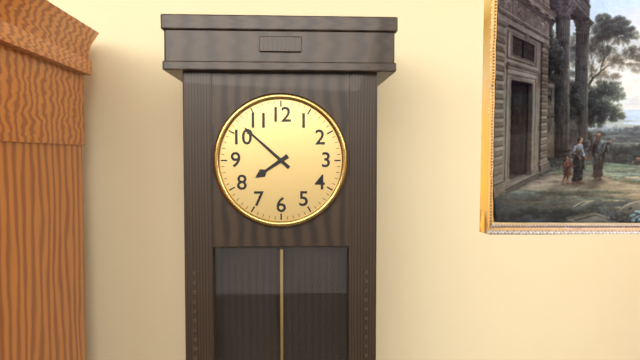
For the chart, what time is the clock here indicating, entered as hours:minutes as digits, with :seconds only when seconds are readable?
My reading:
7:52
